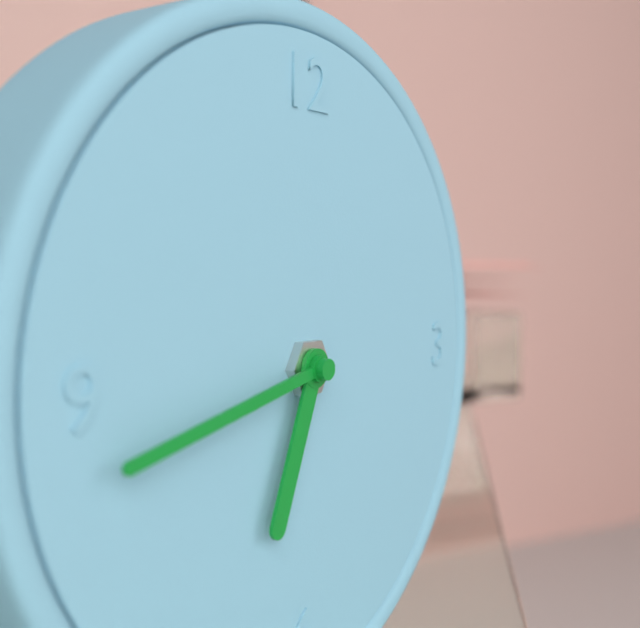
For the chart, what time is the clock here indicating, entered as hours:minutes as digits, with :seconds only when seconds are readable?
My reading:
6:43
